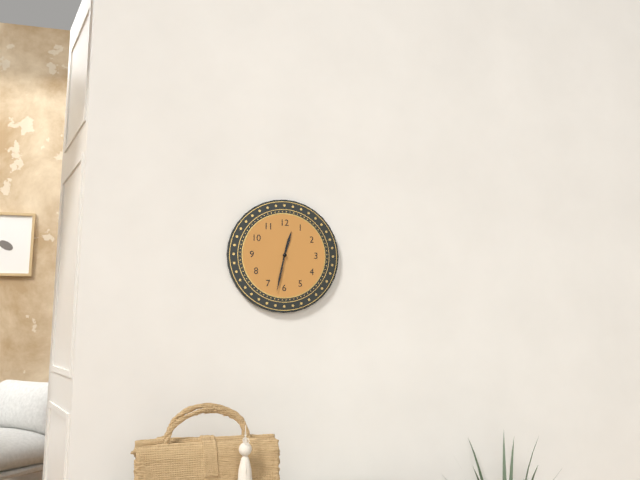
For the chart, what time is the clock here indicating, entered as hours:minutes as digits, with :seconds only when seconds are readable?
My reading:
12:32
